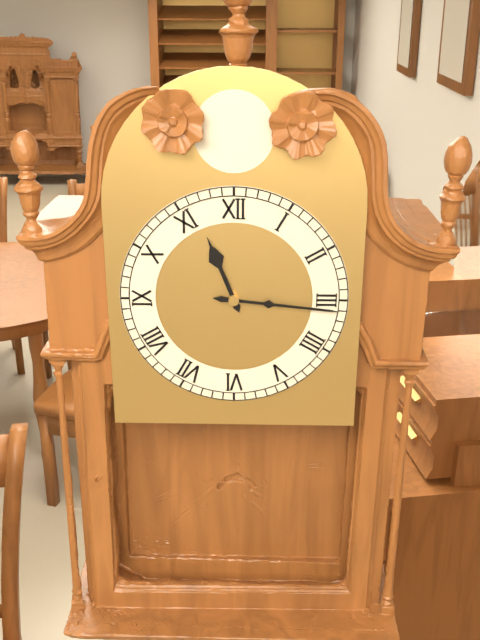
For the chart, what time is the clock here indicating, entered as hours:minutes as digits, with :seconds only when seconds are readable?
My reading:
11:16
